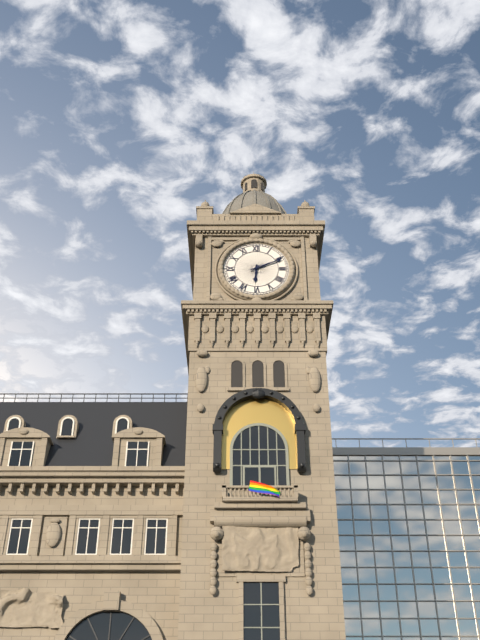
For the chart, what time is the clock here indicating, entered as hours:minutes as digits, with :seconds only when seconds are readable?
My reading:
6:11
